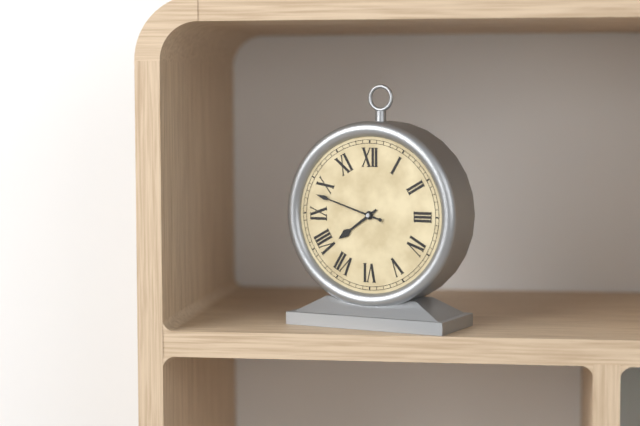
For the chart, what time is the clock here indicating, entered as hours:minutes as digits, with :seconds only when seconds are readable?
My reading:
7:48
